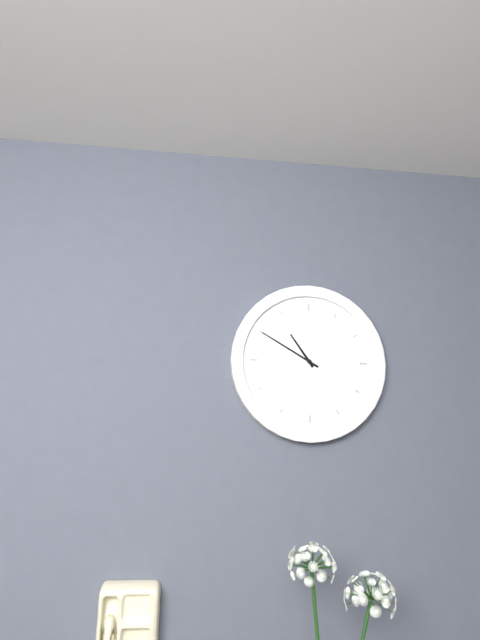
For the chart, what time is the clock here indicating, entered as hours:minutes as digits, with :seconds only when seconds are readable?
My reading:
10:50
